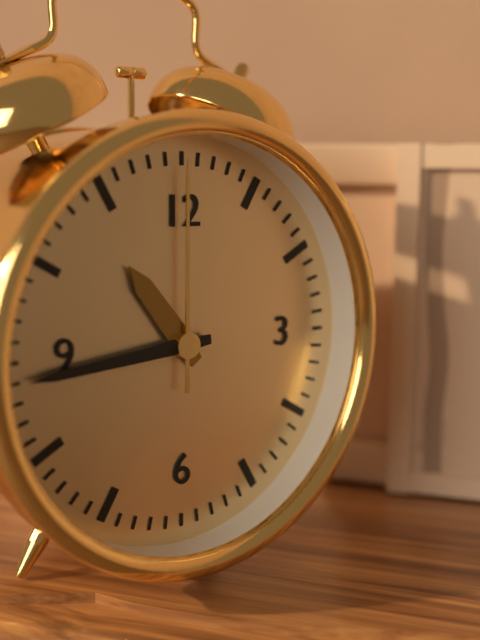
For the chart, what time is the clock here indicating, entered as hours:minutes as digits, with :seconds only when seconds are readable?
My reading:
10:44:00
